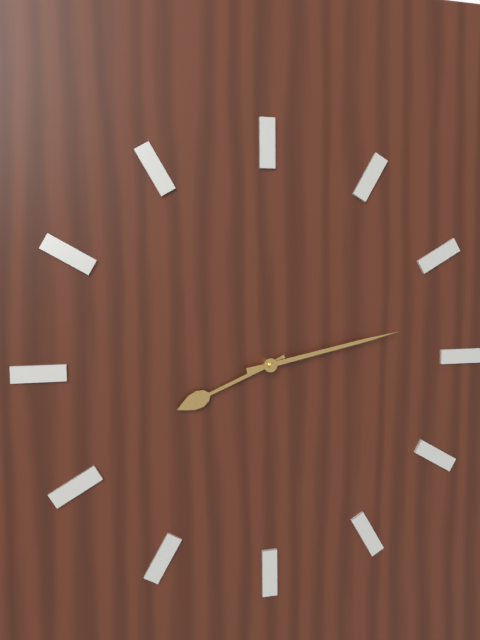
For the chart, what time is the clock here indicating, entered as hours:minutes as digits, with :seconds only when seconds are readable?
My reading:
8:13
